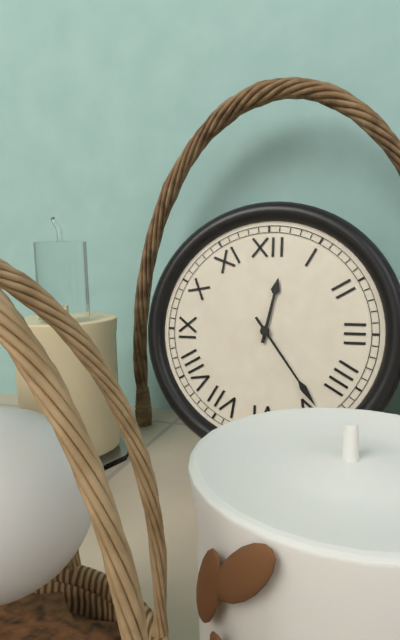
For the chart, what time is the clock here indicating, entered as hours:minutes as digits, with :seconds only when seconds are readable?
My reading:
12:24
